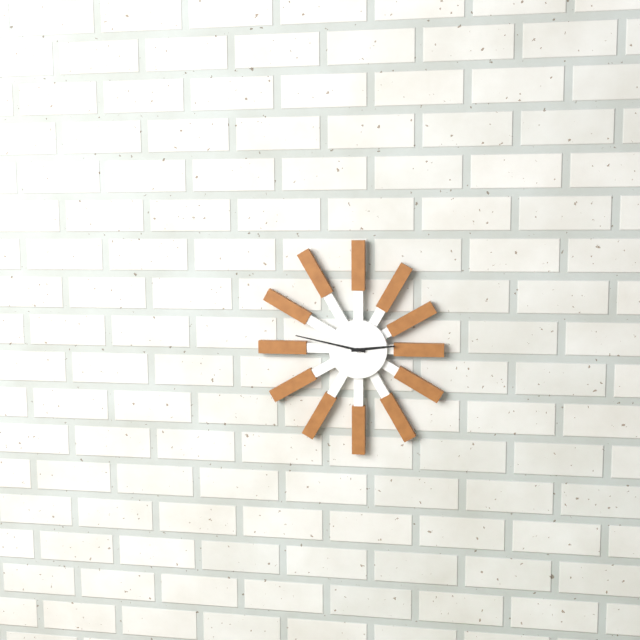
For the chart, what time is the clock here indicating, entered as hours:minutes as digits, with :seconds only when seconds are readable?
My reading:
2:47
